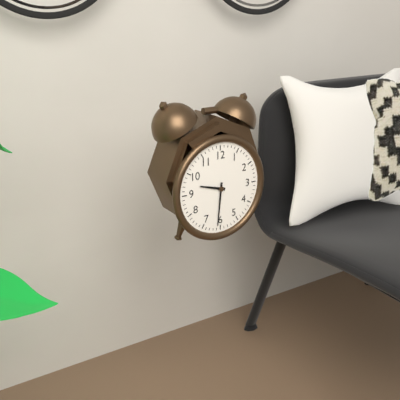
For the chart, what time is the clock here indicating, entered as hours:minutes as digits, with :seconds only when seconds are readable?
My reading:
9:31
